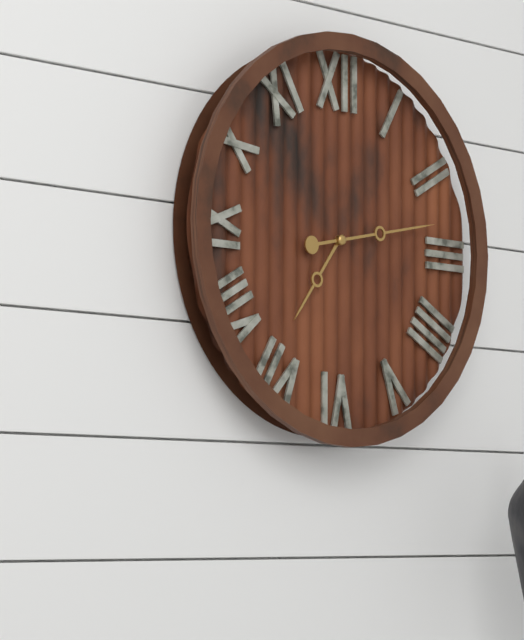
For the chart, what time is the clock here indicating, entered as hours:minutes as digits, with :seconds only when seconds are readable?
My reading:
7:13
